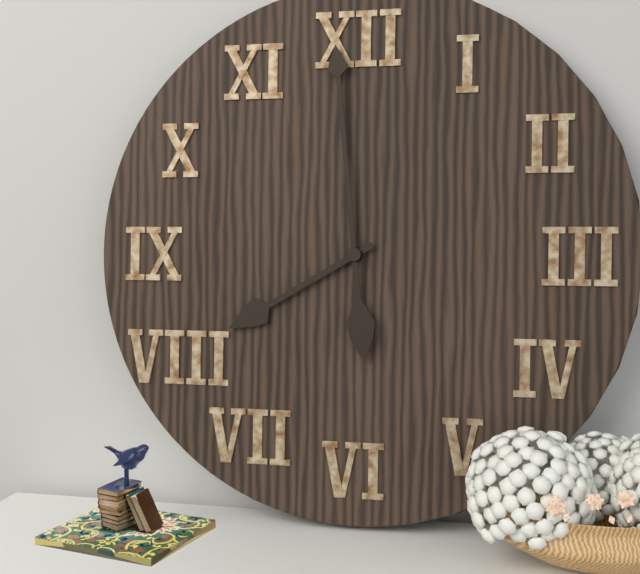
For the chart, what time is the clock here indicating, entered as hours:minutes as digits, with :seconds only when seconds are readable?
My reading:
7:59
